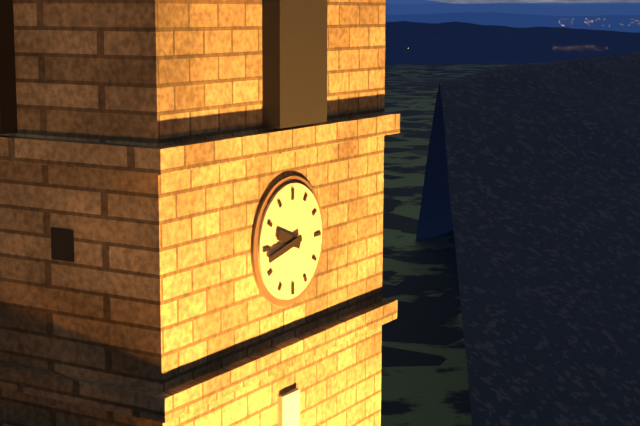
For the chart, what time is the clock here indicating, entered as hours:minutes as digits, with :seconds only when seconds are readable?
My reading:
9:43
